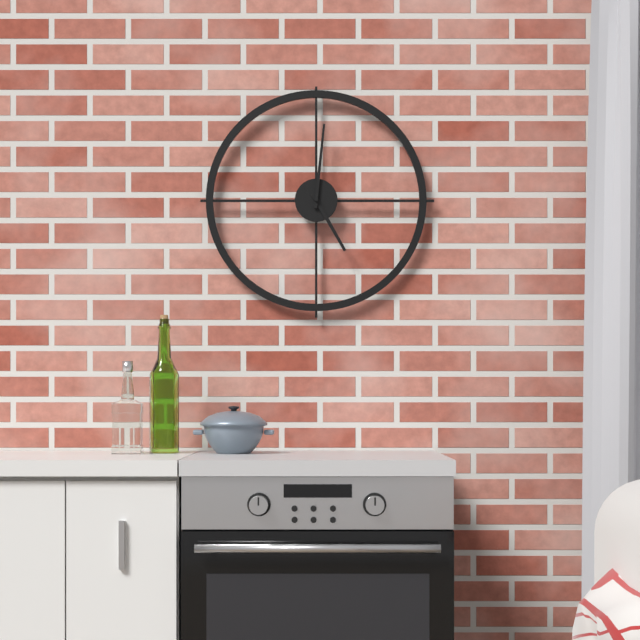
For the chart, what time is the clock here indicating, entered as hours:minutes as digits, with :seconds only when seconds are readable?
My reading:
5:01
